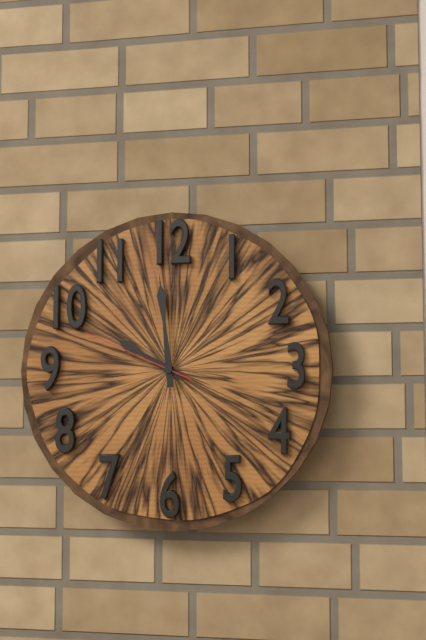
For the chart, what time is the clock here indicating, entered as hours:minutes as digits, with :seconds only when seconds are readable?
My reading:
9:59:49
